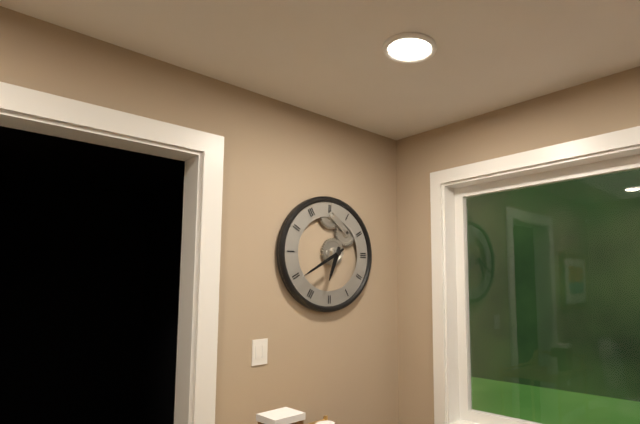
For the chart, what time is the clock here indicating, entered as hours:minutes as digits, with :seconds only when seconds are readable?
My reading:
6:40
